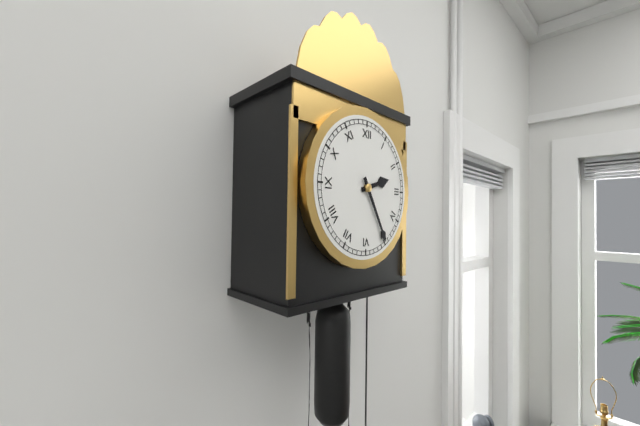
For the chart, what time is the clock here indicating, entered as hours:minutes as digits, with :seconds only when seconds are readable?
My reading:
2:25
